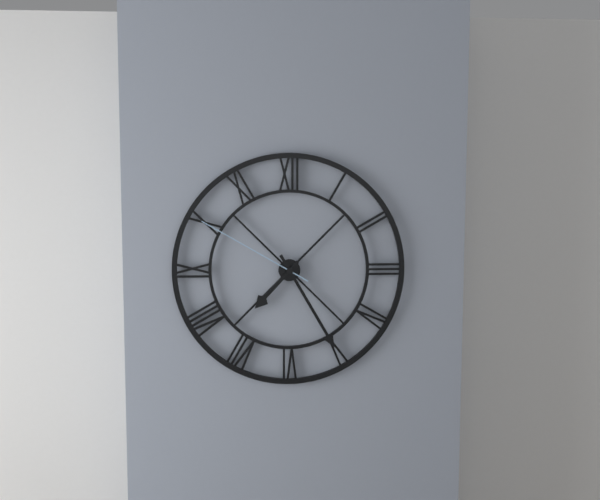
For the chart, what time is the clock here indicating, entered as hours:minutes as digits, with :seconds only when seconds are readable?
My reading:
7:25:50
